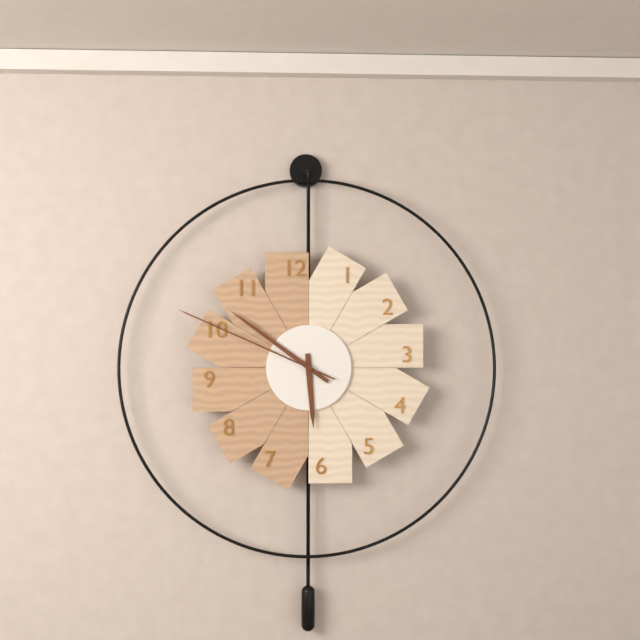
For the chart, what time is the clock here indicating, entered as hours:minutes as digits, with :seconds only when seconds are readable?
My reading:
5:51:49
